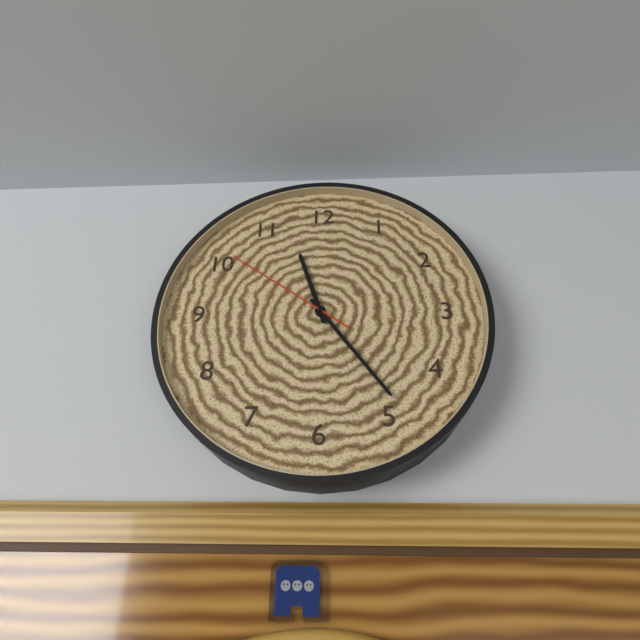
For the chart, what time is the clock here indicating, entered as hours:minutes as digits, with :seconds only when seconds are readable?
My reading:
11:24:51
